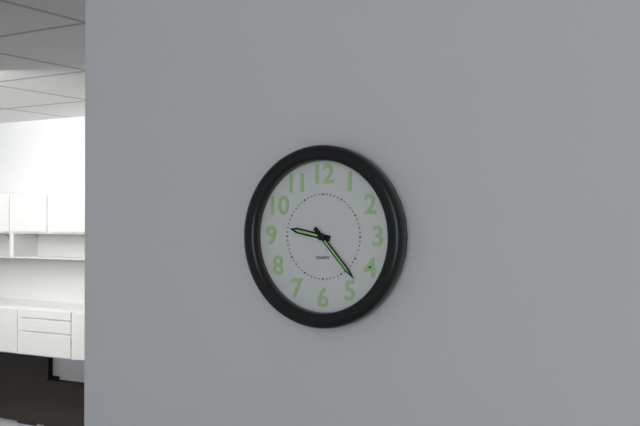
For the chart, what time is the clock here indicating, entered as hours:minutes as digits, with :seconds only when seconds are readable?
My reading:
9:23
